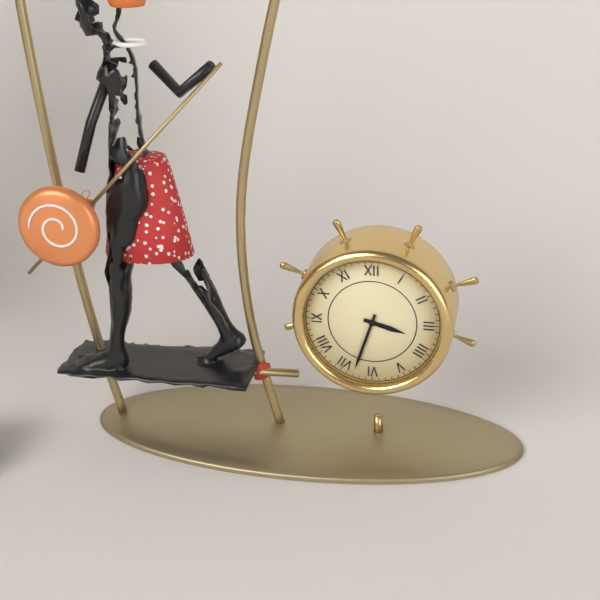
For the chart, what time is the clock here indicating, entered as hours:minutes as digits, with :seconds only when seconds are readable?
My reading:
3:33
